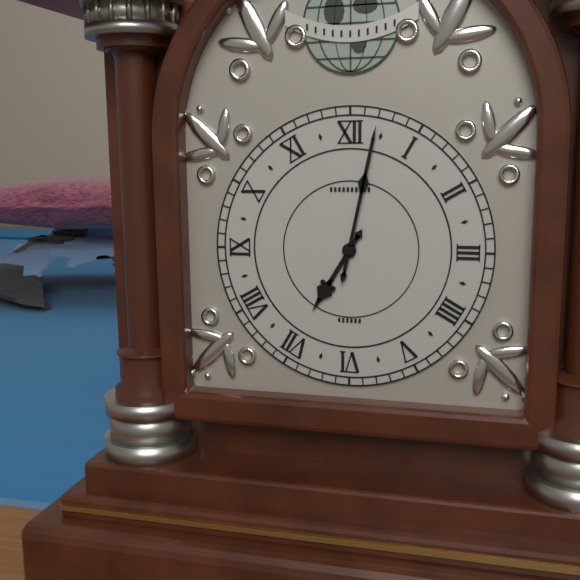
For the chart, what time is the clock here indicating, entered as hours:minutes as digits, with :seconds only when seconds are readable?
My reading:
7:02
